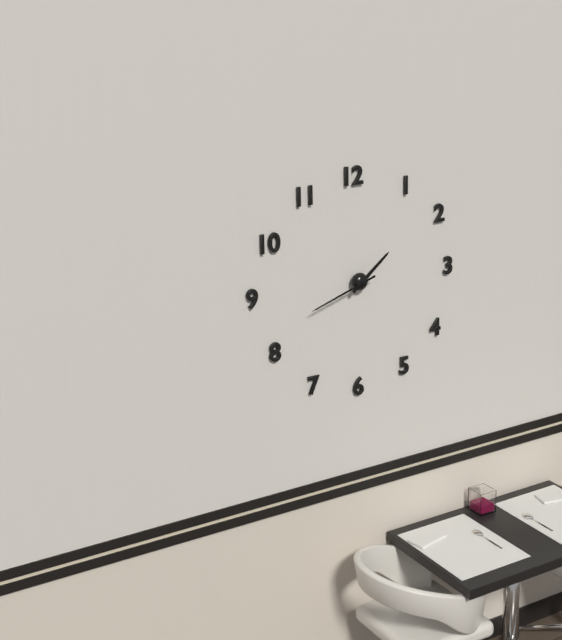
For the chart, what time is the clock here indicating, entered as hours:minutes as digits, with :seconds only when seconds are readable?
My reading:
1:42
